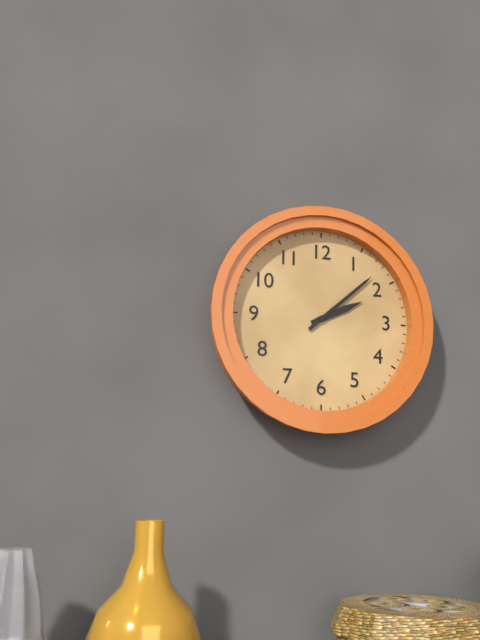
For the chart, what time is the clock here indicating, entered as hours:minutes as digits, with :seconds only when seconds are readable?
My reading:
2:08
